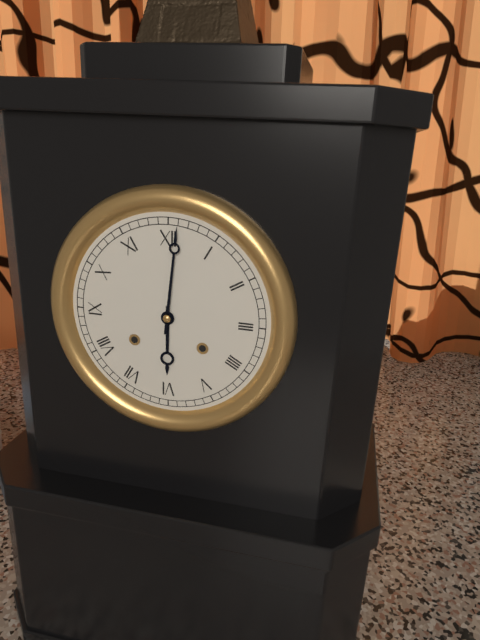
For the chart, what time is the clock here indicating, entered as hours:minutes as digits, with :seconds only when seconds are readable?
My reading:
6:01
